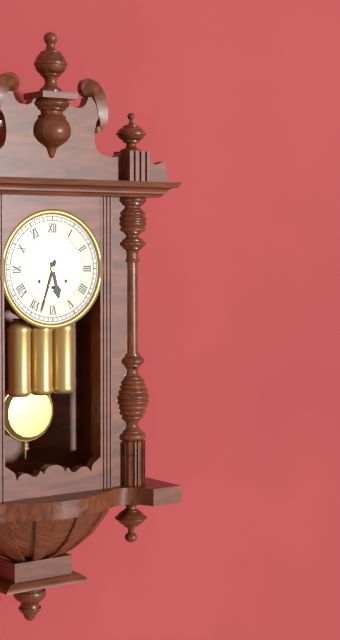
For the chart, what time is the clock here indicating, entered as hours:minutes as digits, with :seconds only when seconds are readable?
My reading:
5:33
